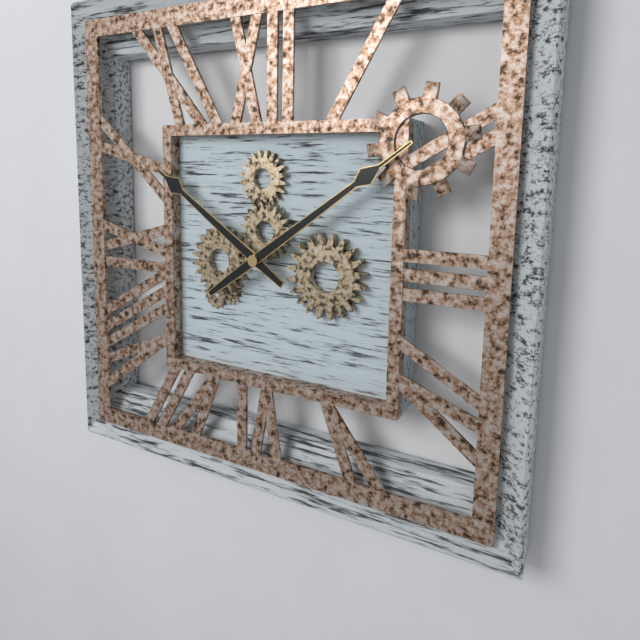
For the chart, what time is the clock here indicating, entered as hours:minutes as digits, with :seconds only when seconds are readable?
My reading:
10:09
